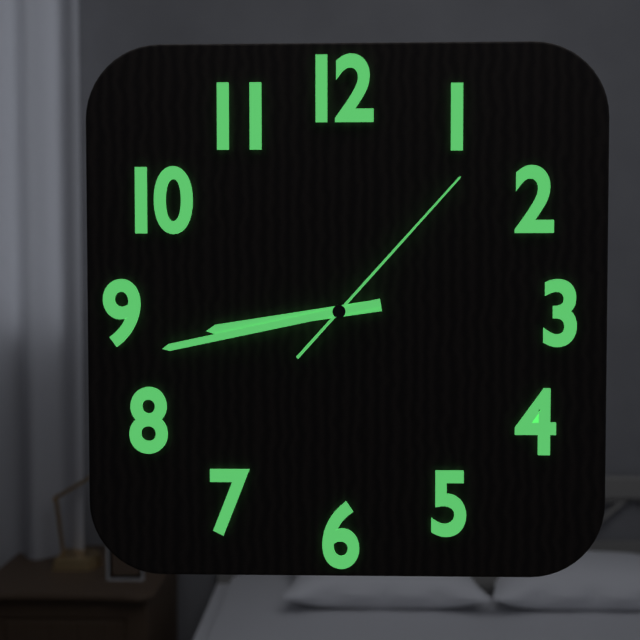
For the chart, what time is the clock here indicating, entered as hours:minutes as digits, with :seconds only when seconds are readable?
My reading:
8:43:07
